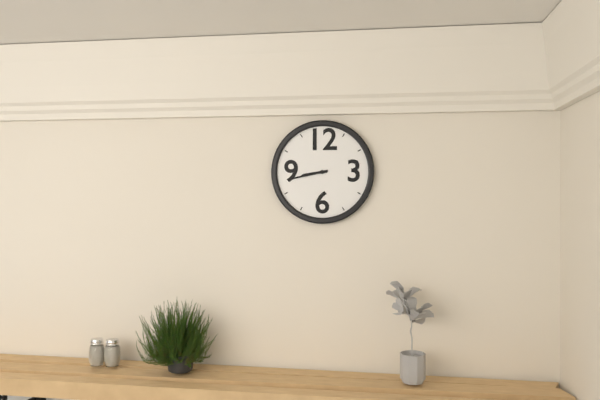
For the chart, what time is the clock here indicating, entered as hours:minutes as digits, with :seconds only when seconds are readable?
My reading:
8:43
